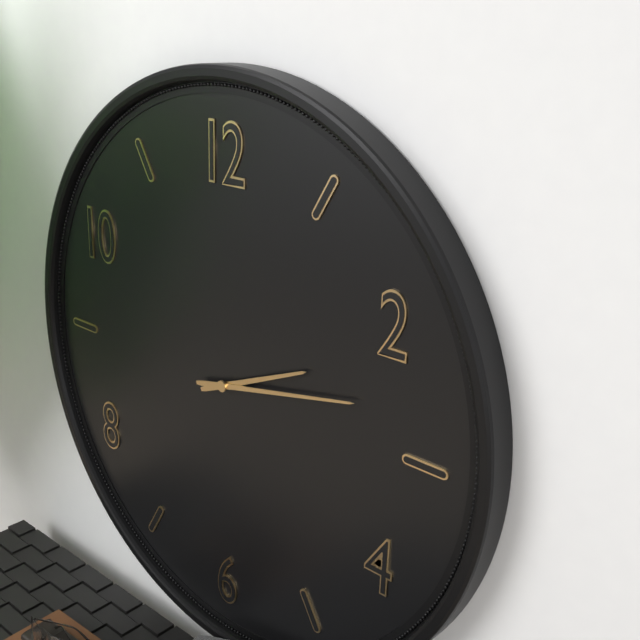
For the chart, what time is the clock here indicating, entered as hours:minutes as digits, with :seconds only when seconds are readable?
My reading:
2:13
